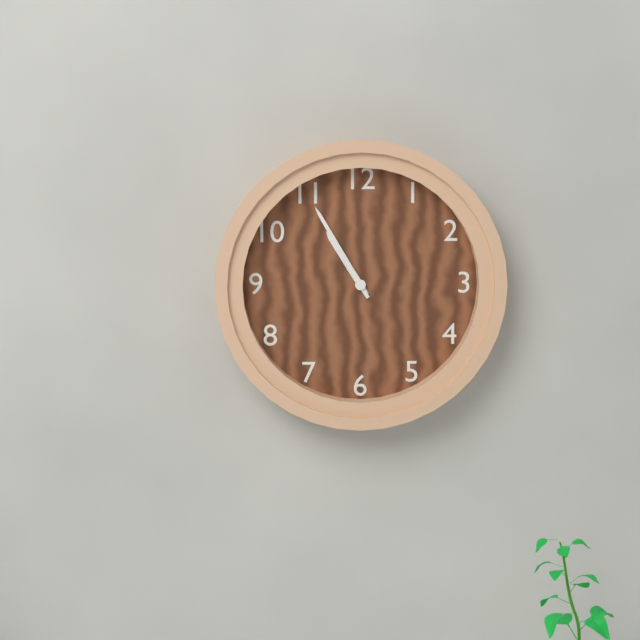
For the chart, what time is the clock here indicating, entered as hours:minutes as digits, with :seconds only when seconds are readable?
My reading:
10:55
